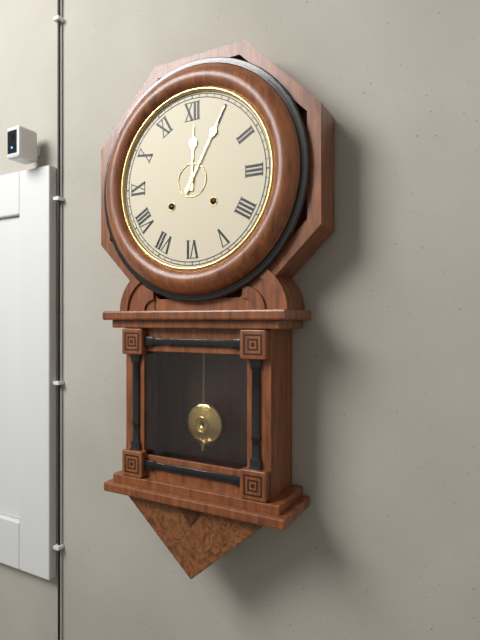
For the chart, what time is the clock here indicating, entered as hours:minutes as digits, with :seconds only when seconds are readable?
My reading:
12:05
